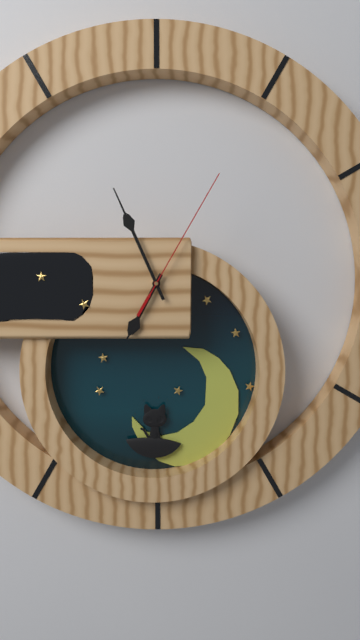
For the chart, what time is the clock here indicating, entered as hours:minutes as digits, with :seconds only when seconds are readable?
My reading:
6:56:05
